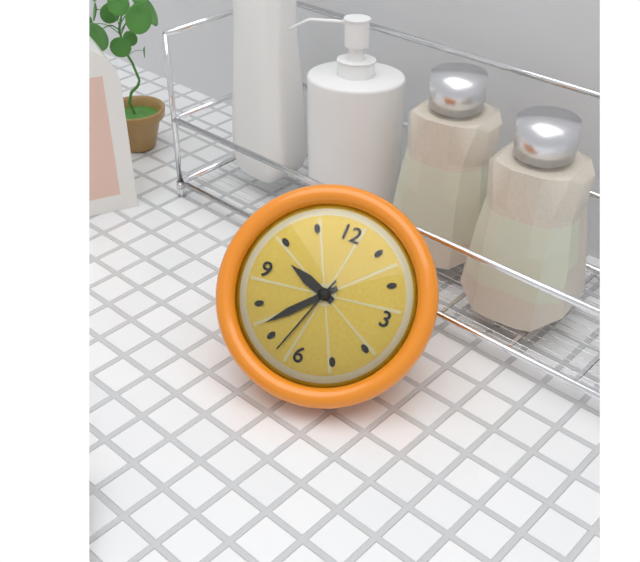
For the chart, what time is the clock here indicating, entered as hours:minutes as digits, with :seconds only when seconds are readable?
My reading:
9:37:33
